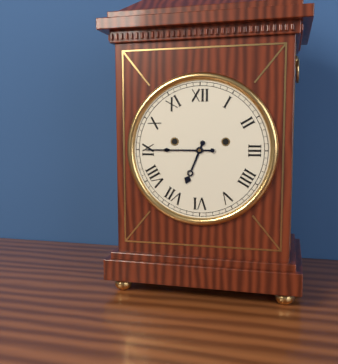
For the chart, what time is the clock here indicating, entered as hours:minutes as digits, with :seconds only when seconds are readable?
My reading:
6:45
